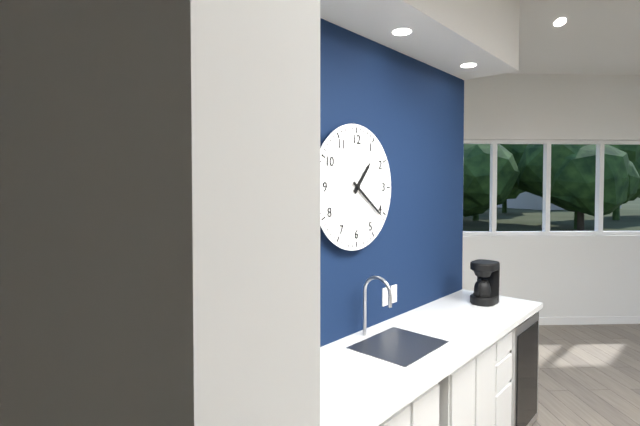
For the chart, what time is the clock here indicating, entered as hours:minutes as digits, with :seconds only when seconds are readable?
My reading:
1:21
